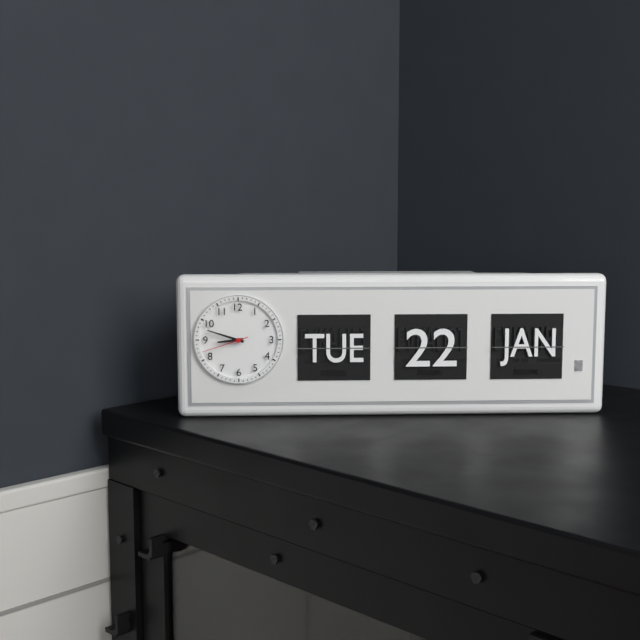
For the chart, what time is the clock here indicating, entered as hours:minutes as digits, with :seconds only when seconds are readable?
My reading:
8:48
